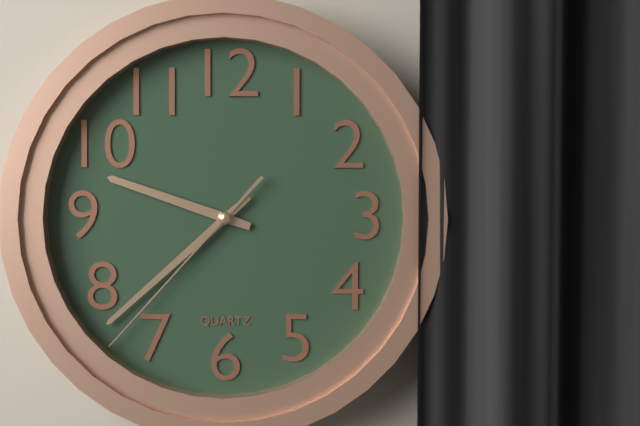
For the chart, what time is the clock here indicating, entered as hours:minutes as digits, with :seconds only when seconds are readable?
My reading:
9:38:37
